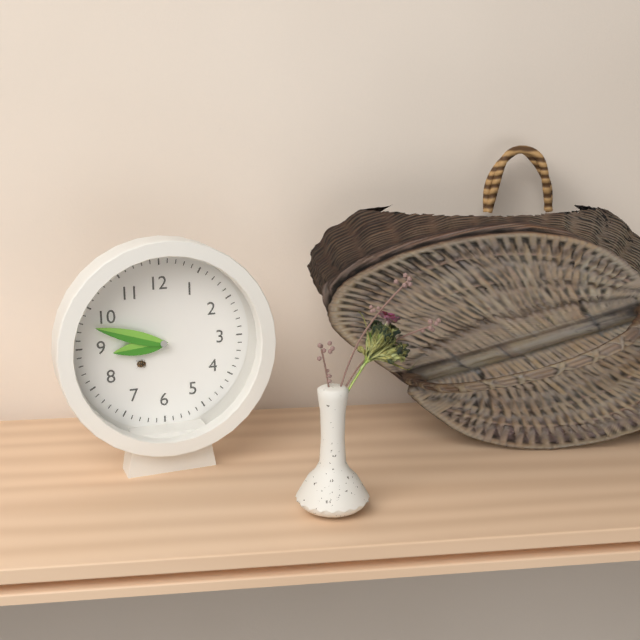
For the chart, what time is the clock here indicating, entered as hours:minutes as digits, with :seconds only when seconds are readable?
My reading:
8:48
